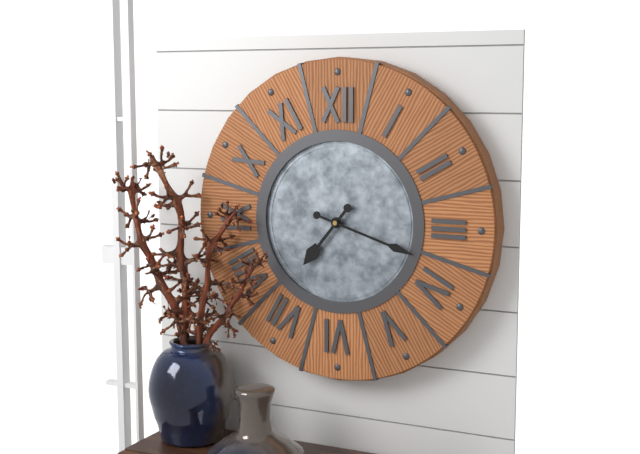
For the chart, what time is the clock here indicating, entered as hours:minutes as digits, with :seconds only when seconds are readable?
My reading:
7:18
